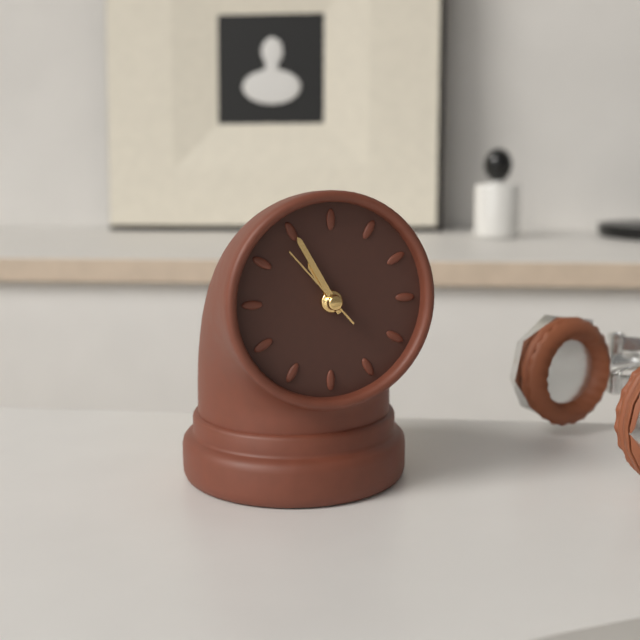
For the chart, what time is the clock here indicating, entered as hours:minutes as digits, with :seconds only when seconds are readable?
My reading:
10:55:53
